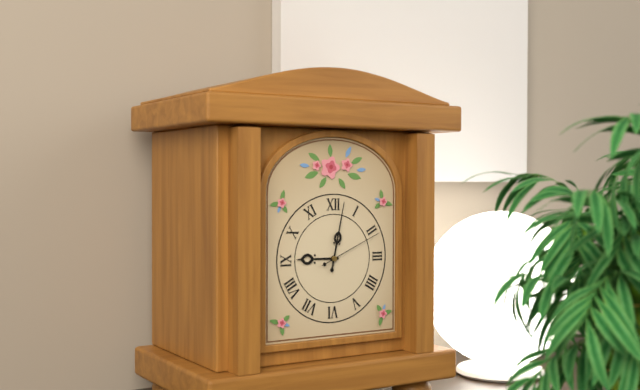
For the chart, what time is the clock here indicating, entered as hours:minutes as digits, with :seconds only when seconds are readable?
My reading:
9:02:11
